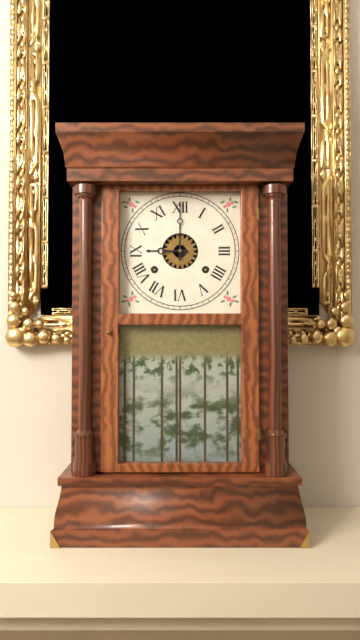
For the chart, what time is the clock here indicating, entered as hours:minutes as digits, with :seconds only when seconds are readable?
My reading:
9:00
